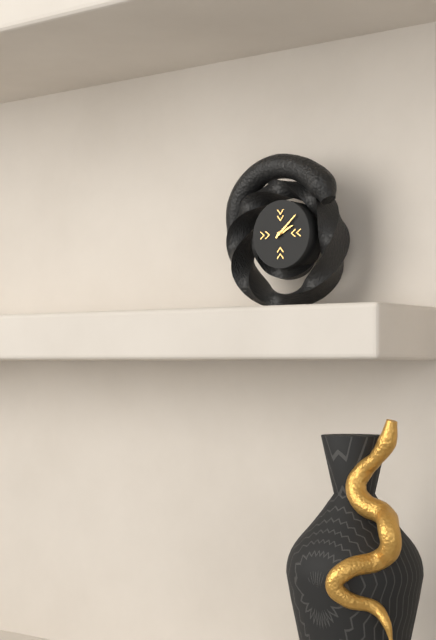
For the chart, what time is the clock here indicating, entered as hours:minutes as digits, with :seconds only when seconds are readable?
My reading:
2:08
